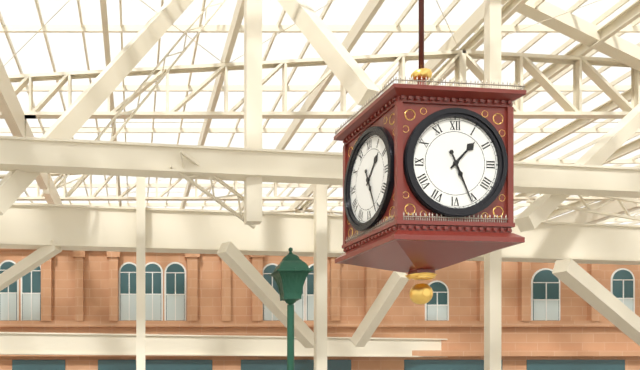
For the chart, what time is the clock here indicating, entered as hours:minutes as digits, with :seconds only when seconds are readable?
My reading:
1:26
